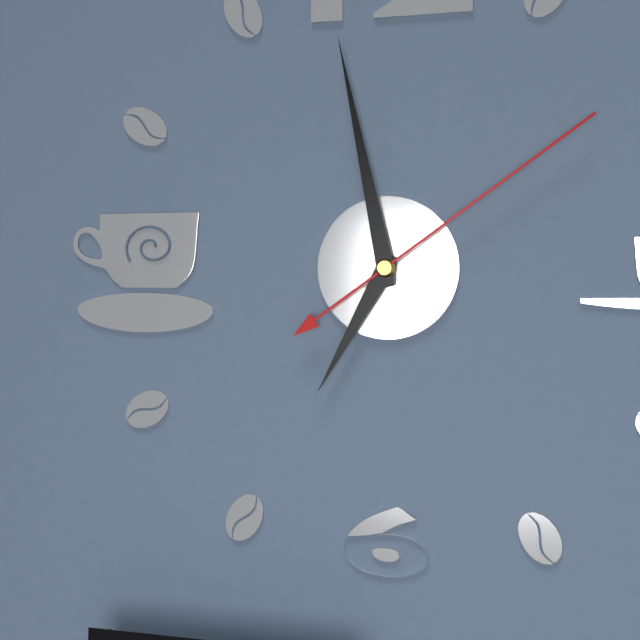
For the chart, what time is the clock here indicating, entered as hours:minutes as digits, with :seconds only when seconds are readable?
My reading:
6:58:09
